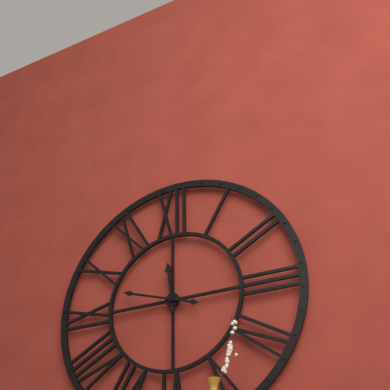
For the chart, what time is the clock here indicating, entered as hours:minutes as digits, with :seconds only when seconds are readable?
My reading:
11:48
